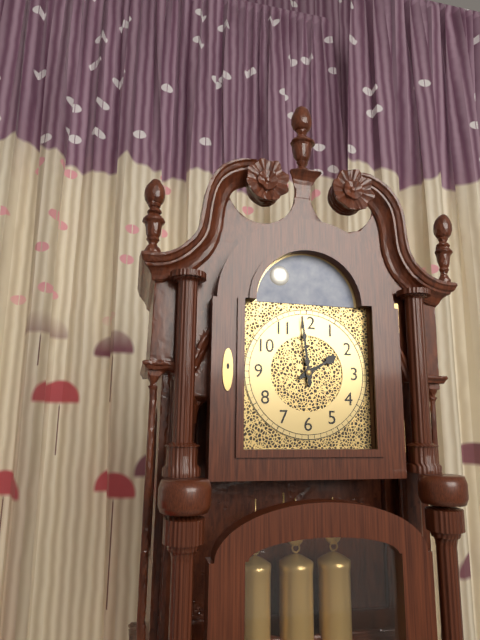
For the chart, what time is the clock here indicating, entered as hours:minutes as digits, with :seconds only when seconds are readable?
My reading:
1:59
